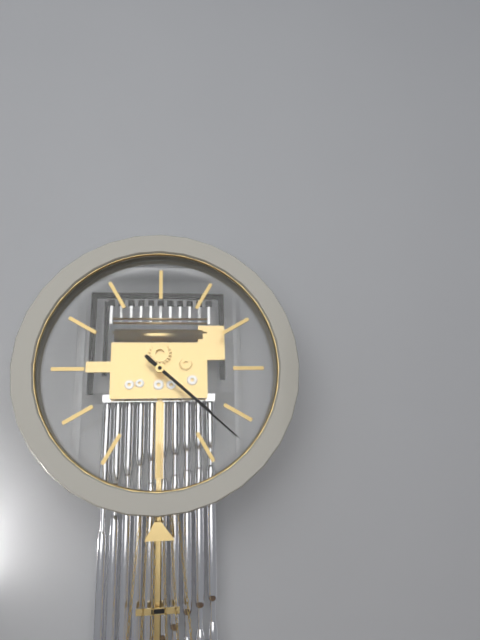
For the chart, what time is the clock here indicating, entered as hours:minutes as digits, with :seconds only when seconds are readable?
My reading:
4:22
